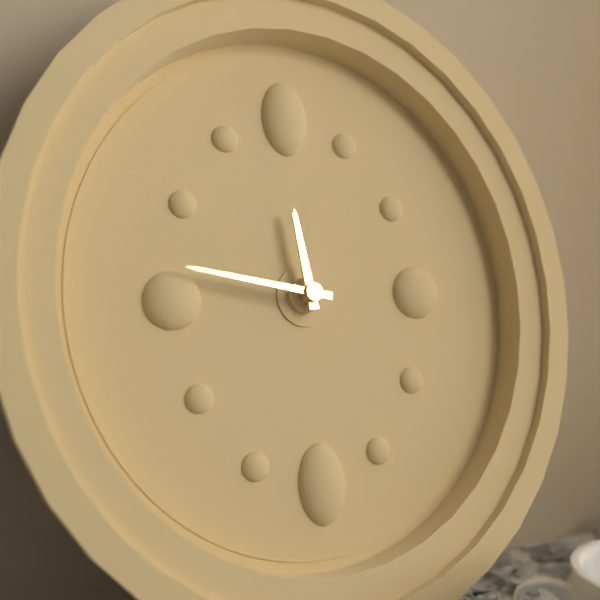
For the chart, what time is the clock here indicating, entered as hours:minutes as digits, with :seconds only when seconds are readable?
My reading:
11:47
